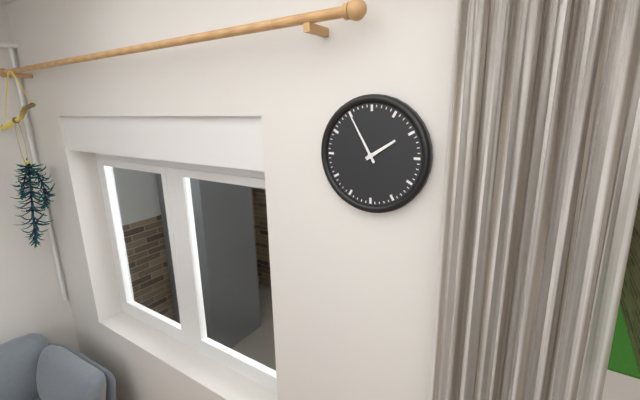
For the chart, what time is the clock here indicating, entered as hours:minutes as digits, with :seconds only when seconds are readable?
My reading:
1:55
